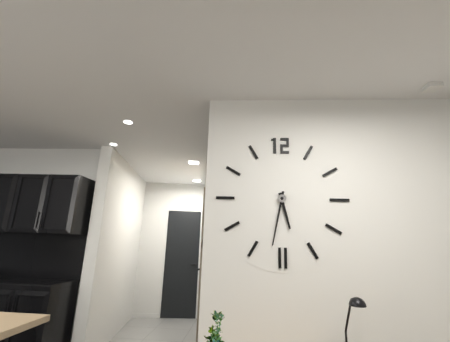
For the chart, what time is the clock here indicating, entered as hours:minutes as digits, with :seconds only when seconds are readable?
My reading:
5:32
